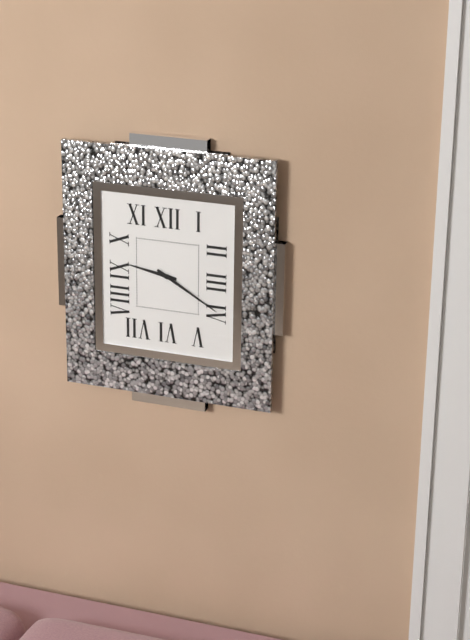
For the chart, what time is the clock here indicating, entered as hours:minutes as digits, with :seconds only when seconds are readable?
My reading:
9:20
